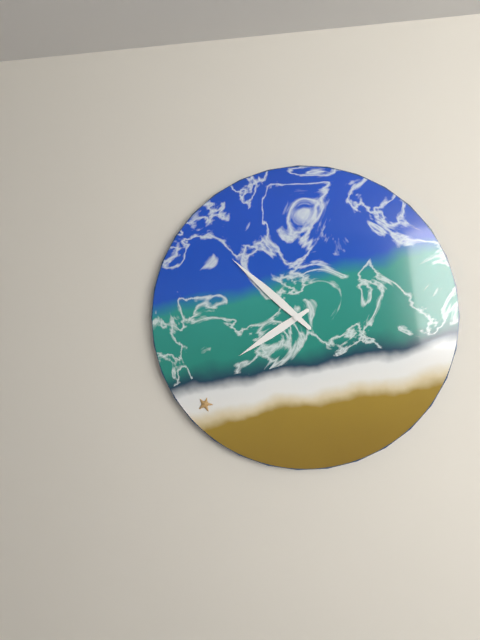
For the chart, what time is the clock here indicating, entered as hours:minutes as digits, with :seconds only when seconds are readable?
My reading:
7:52
